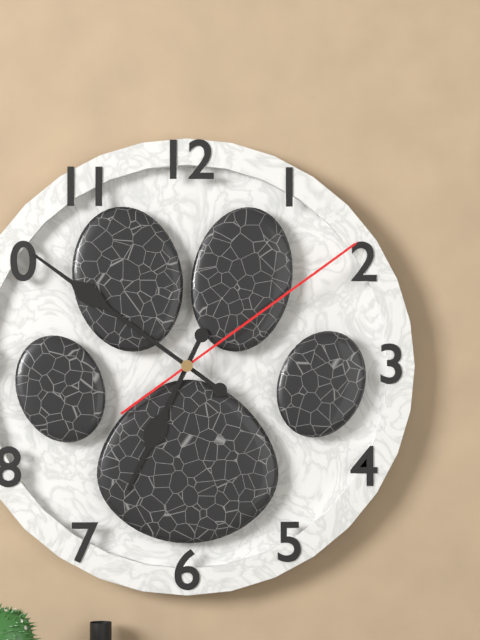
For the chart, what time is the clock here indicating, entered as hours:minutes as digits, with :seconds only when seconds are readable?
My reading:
6:51:09
